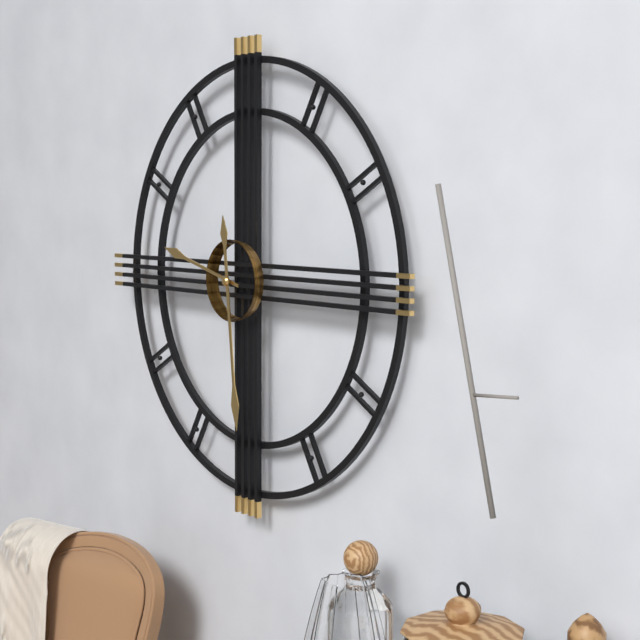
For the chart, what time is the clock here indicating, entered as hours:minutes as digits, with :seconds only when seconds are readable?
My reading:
9:29
